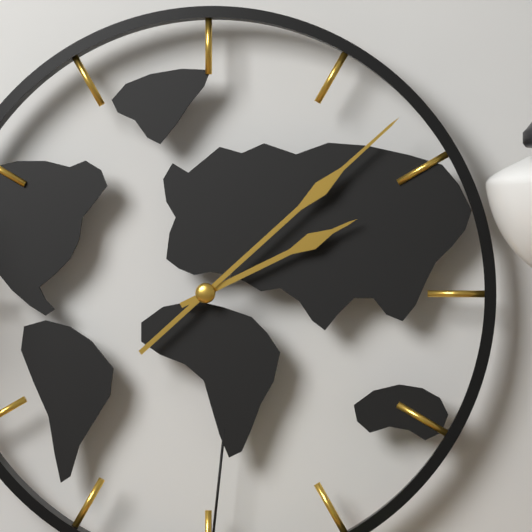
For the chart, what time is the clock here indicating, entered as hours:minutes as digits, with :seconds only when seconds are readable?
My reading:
2:08
